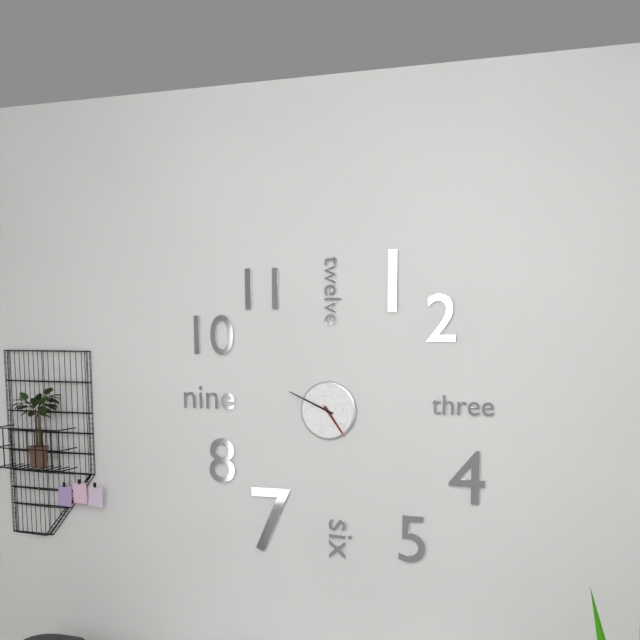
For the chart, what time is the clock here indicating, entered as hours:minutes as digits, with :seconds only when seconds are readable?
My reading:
4:49
